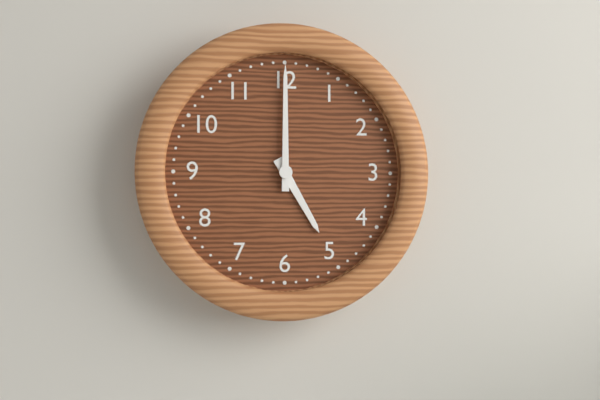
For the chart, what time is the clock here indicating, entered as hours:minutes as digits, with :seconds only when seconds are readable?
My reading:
5:00
